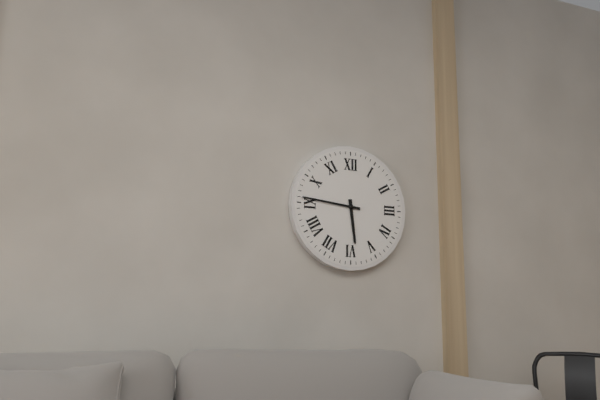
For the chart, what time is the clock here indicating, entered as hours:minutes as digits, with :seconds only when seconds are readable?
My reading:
5:46
